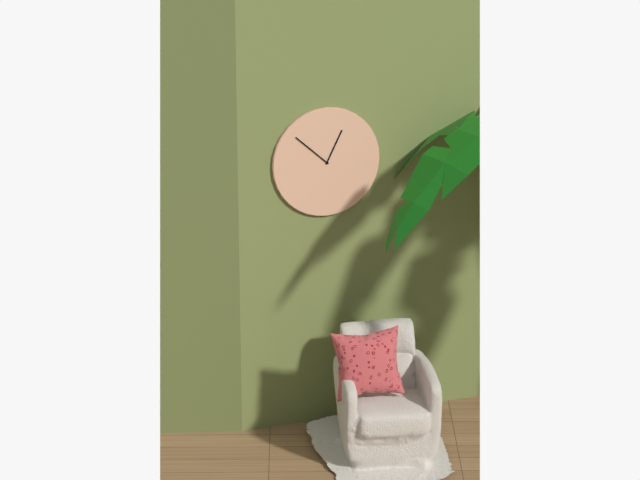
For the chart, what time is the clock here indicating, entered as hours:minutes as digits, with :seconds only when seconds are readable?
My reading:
12:52
